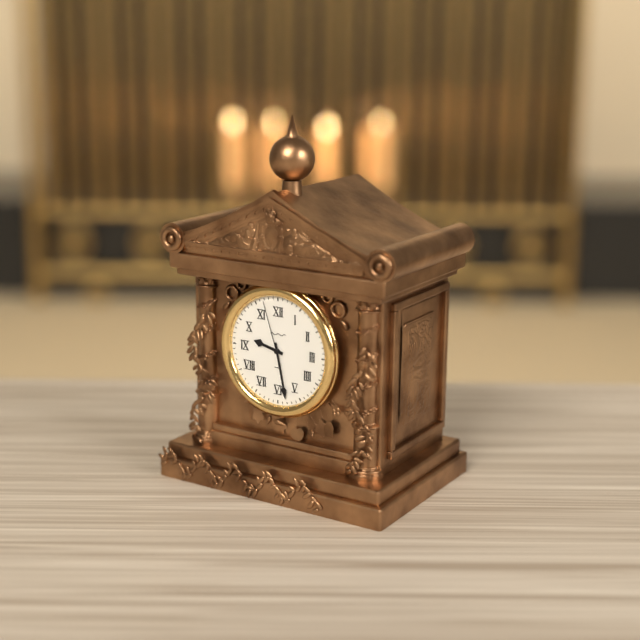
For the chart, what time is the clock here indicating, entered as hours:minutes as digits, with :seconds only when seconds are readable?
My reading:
9:28:57
